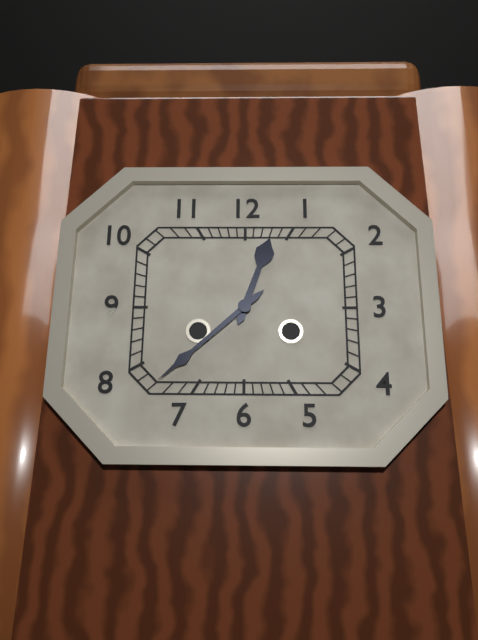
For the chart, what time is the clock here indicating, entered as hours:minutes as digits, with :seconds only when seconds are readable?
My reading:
12:38
